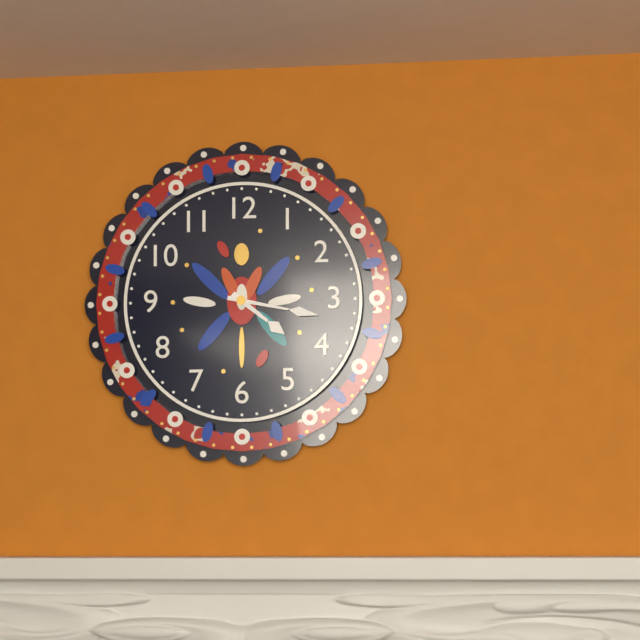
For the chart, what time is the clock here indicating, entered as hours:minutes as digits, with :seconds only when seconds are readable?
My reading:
4:17
